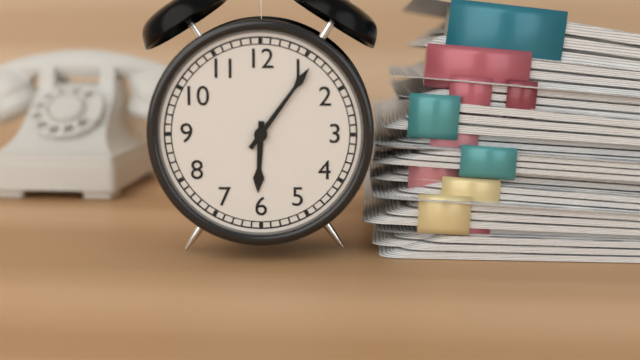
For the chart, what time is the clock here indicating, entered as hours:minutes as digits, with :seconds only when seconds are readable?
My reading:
6:06
